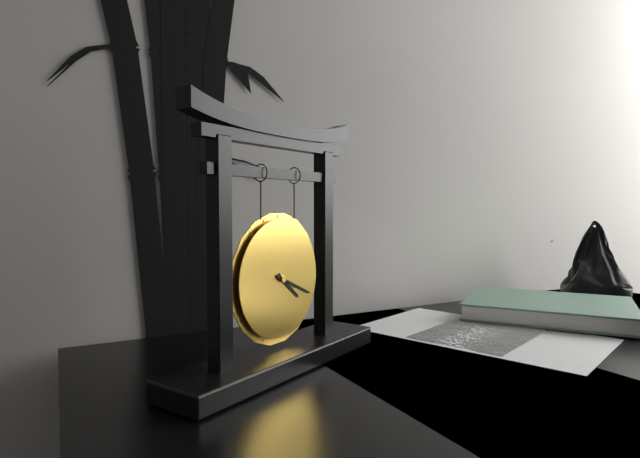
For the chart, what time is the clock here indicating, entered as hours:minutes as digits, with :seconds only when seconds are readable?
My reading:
4:19
